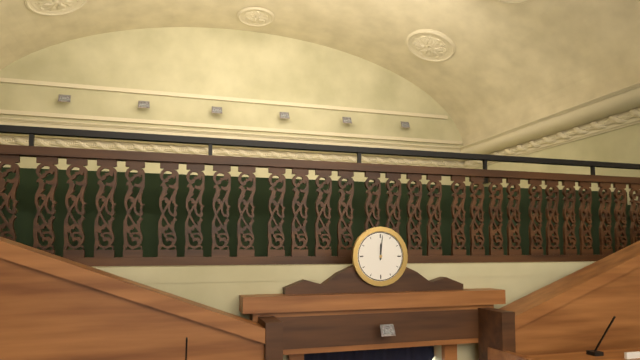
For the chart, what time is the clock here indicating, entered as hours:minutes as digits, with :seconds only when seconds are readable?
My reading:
12:01
